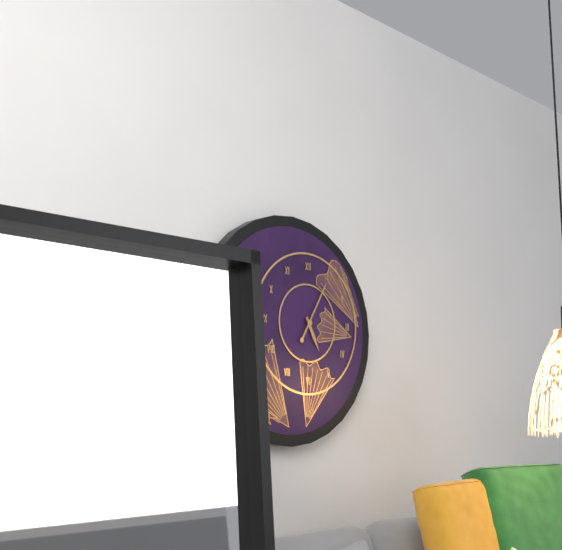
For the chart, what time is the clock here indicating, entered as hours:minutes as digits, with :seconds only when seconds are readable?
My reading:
5:05
